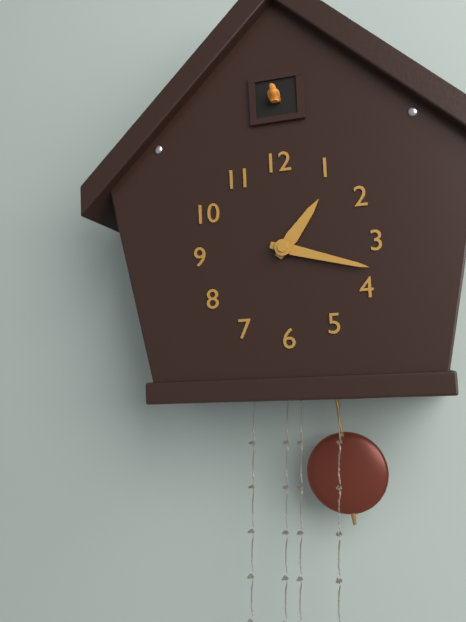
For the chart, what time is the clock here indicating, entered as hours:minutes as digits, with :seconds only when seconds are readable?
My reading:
1:18
